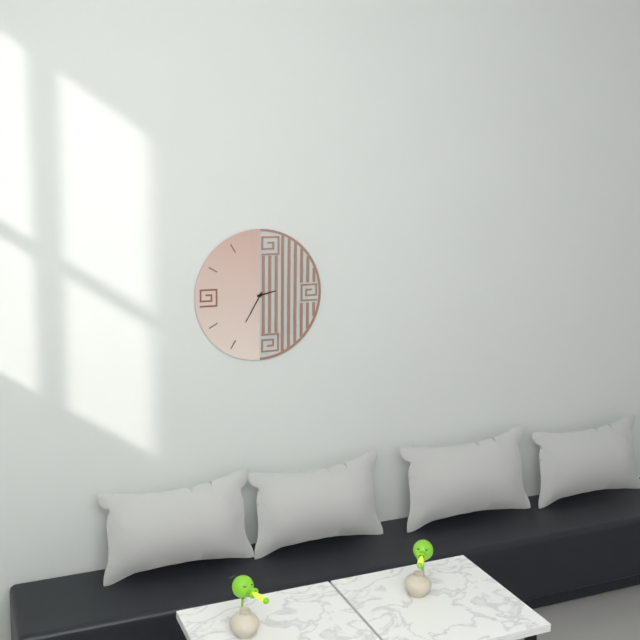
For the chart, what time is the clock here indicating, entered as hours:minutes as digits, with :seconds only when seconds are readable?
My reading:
2:35
